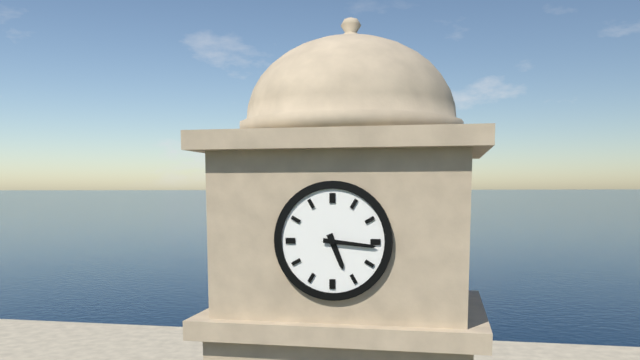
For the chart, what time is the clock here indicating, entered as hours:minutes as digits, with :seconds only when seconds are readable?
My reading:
5:16
